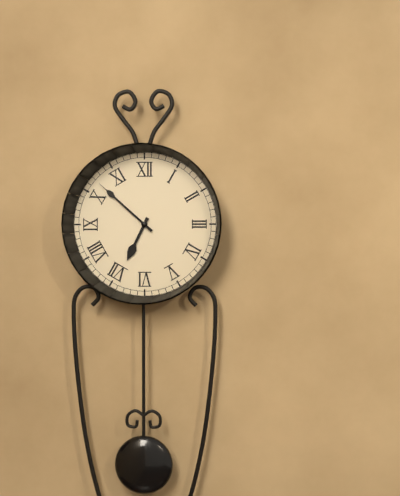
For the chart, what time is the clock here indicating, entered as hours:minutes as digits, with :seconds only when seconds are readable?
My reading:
6:52
